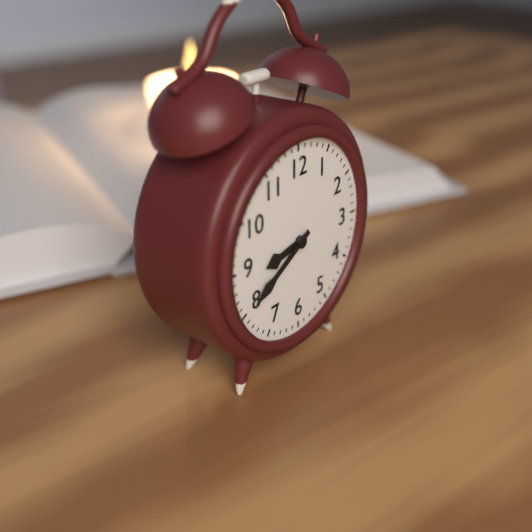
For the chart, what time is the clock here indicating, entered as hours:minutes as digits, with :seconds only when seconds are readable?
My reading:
8:40
